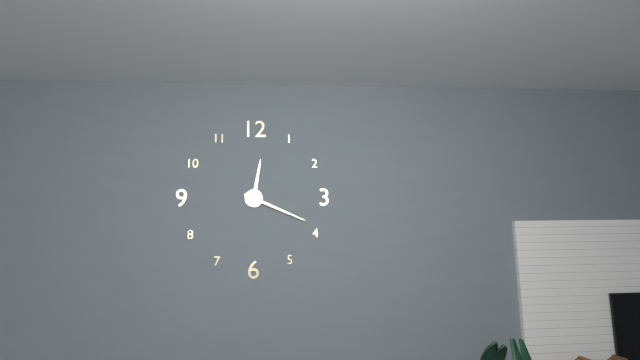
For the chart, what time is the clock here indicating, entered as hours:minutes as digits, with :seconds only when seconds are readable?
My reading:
12:19
